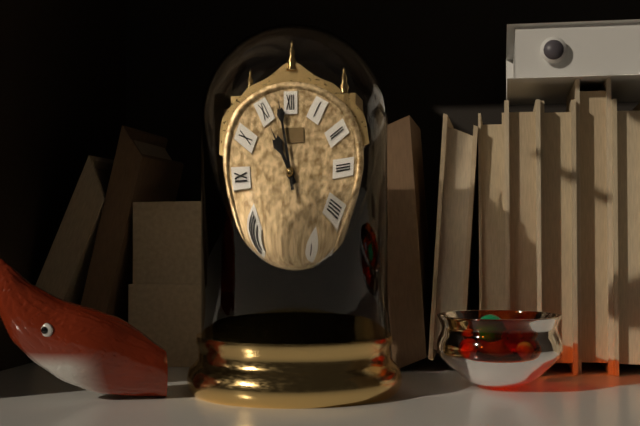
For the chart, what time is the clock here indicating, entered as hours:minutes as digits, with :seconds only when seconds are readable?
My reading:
10:58
